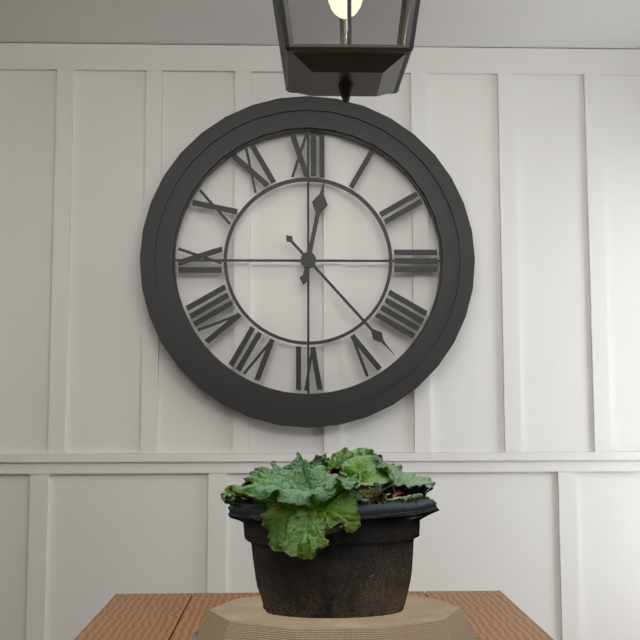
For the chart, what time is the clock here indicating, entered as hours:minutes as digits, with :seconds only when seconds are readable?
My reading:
12:23
